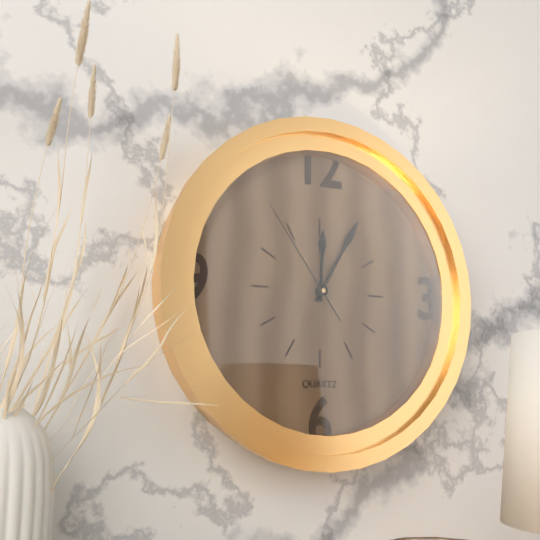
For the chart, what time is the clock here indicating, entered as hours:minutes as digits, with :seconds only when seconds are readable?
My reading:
12:05:54
